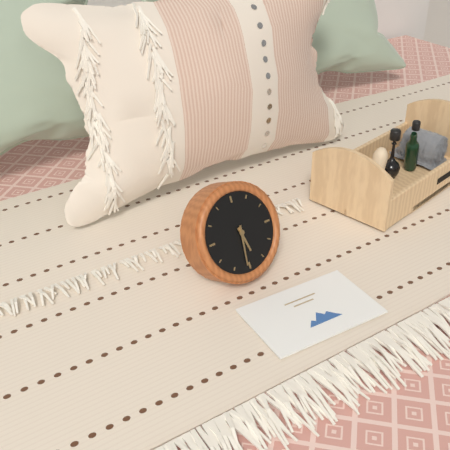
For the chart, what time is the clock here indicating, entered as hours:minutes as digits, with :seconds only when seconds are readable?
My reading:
5:31
